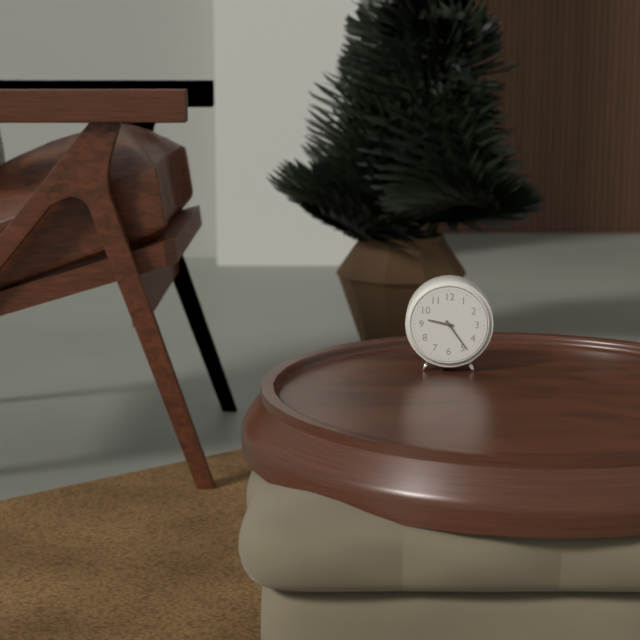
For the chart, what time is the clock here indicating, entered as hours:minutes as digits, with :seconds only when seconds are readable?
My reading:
9:24
